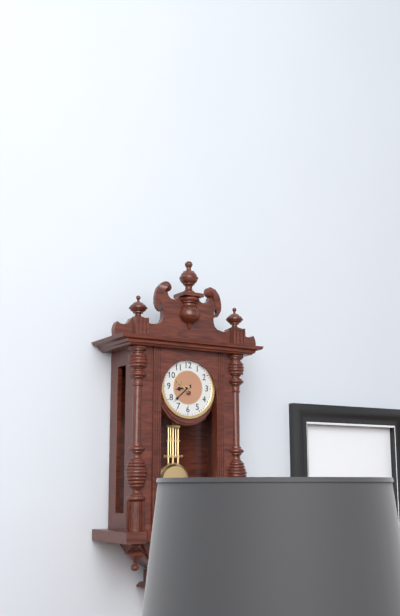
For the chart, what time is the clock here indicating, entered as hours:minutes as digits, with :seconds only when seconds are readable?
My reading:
8:38
